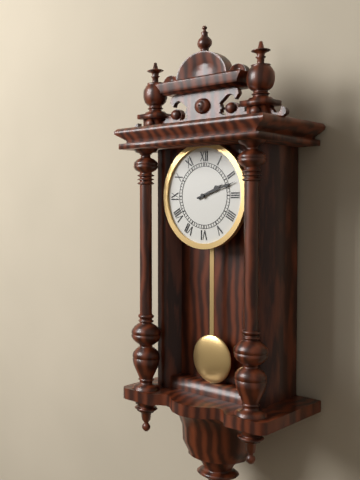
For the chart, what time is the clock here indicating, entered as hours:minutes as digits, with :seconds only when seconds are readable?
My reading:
2:12
